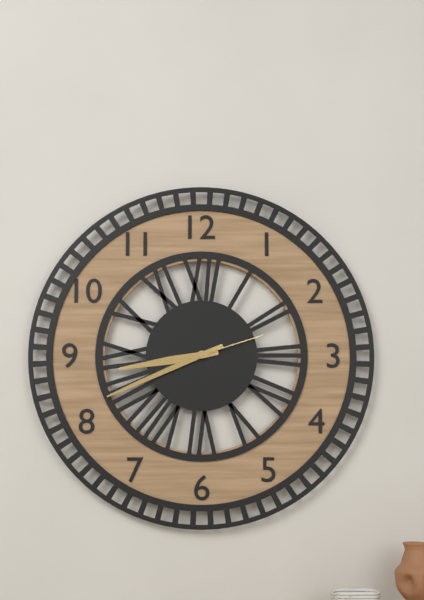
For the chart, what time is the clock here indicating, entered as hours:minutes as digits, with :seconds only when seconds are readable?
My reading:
8:41:12
